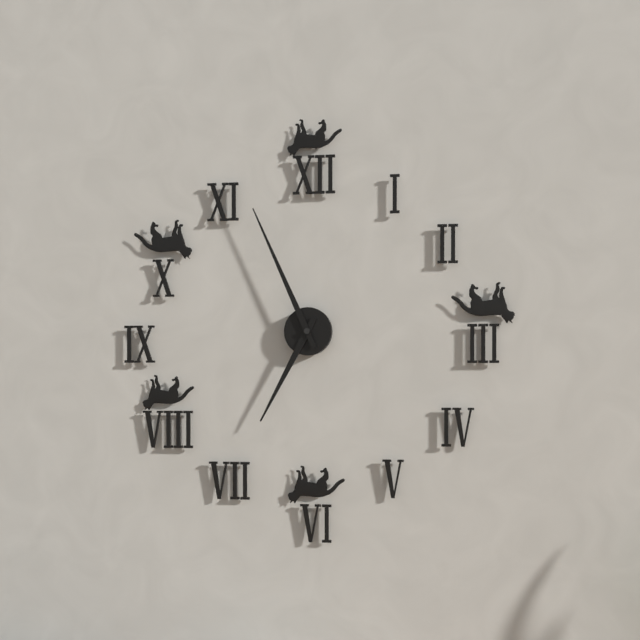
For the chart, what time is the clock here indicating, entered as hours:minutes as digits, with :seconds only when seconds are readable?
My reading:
6:56
